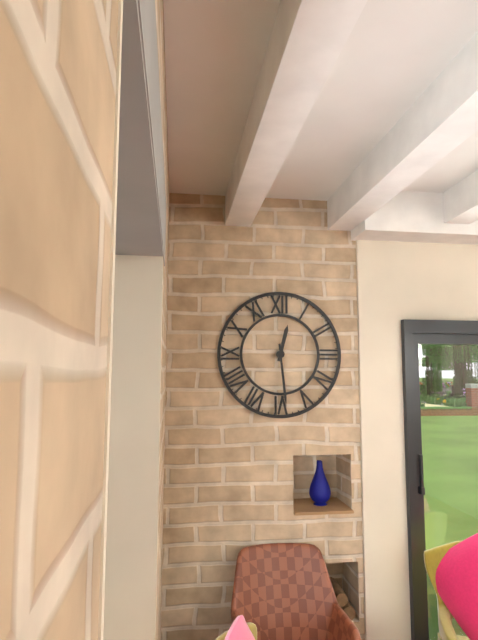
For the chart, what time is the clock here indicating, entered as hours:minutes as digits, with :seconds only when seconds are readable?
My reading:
12:29
